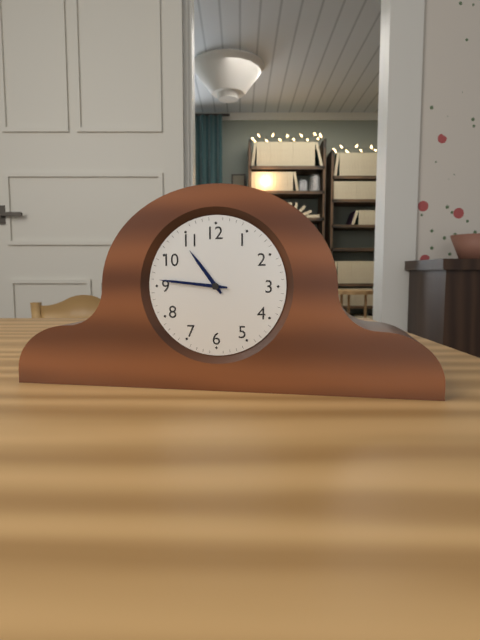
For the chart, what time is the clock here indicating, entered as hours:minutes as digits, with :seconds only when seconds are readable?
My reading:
10:46
